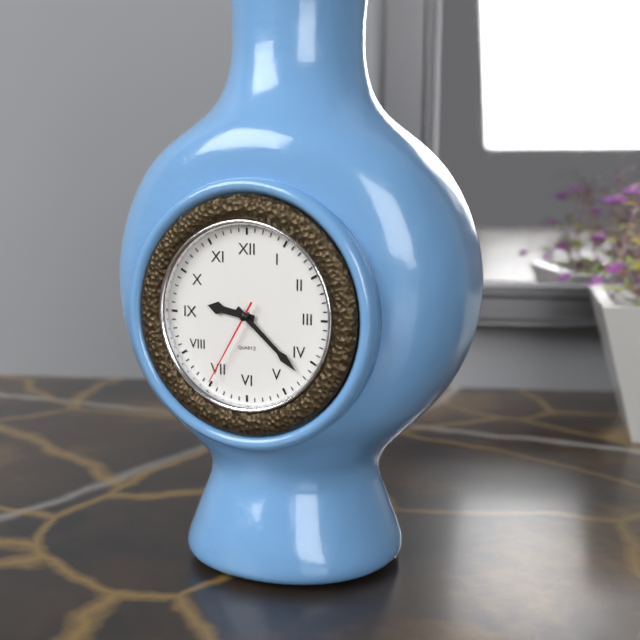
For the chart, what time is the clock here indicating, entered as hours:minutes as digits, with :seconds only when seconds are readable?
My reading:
9:22:35
